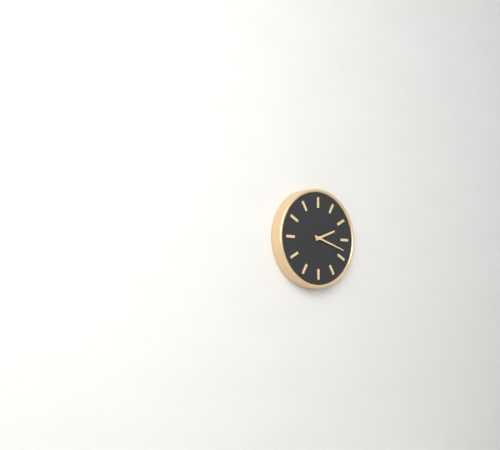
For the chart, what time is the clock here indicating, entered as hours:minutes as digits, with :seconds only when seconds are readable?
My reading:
2:18
